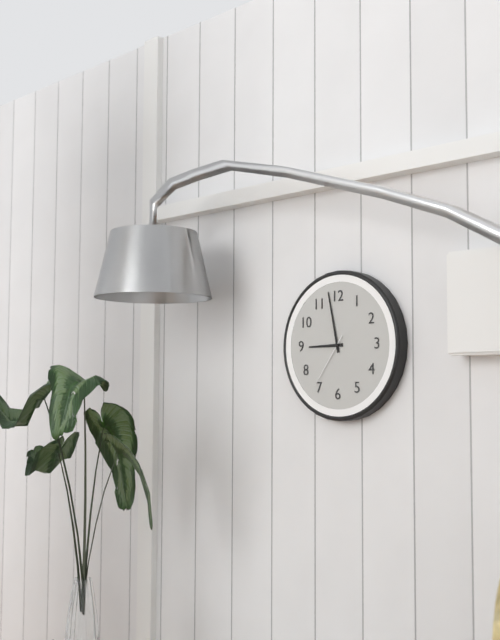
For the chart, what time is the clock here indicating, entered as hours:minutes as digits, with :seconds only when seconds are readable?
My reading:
8:58:36
